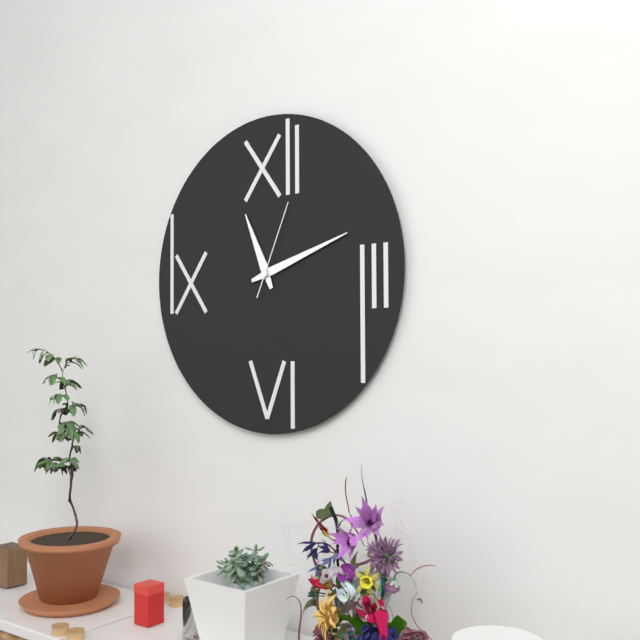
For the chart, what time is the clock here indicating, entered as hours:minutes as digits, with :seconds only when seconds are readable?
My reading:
11:12:04
